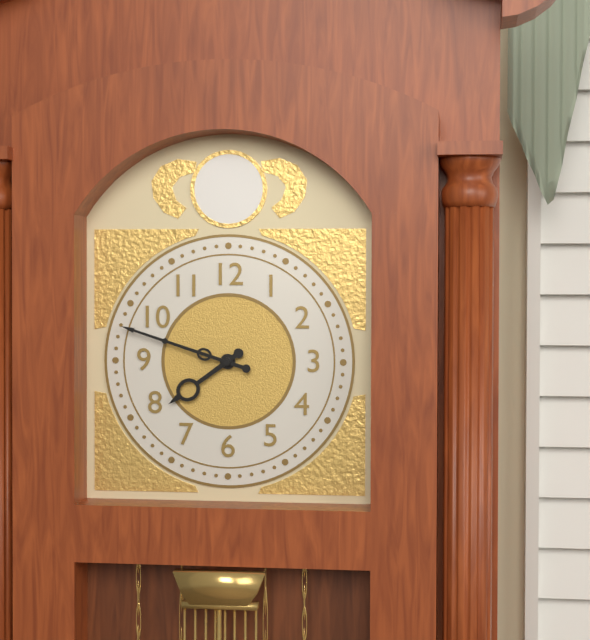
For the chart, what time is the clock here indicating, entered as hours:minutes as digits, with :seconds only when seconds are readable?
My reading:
7:48
